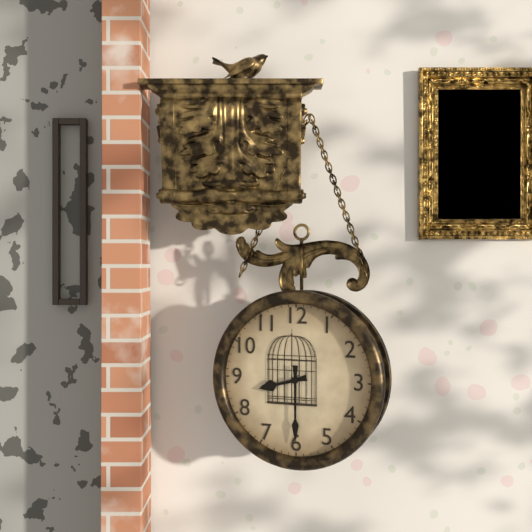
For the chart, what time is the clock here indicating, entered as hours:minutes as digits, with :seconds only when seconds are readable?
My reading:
8:30
